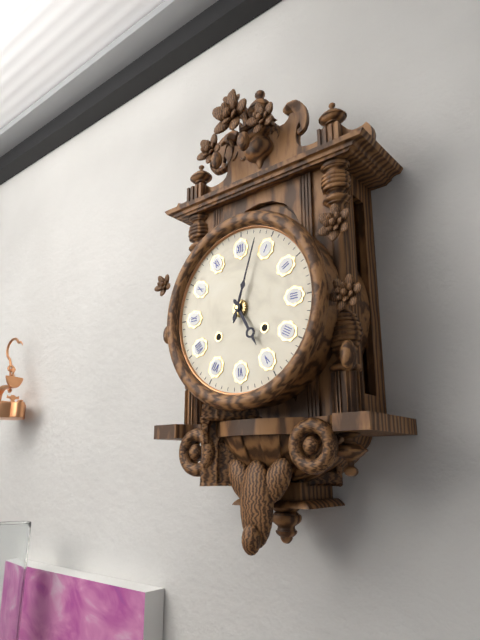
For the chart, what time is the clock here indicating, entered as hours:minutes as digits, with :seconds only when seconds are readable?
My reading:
5:03
